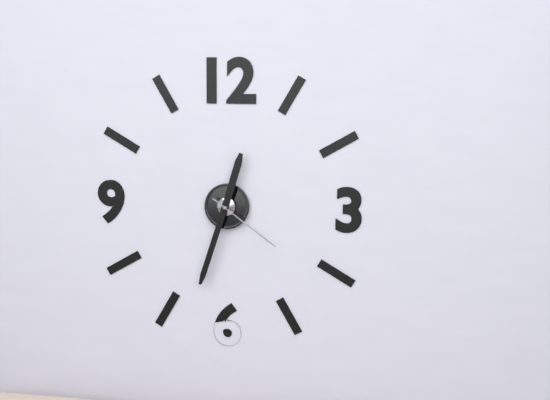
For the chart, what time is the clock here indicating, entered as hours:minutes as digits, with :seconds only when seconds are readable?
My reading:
12:33:21
